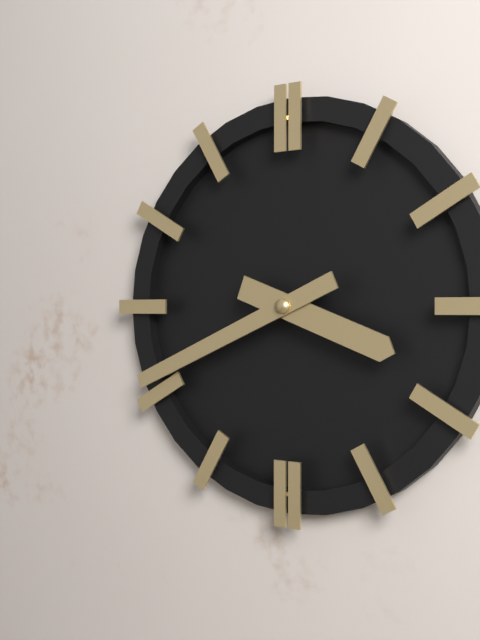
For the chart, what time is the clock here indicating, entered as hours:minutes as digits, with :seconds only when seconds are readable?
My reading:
3:41
